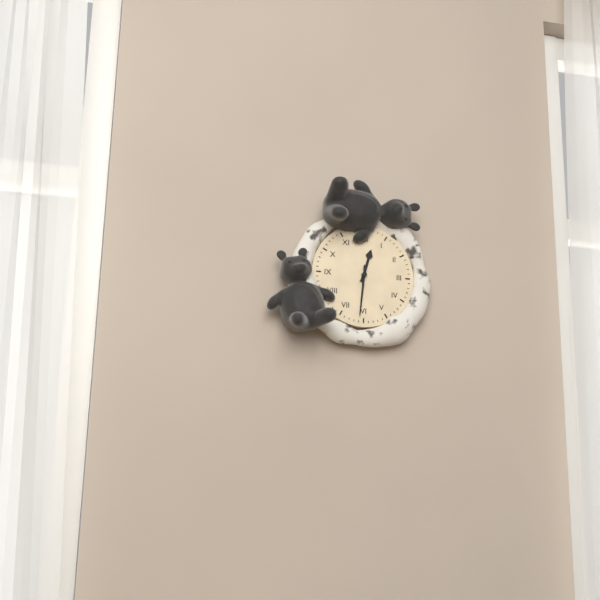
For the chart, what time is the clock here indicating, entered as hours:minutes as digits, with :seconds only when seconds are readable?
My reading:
12:31
